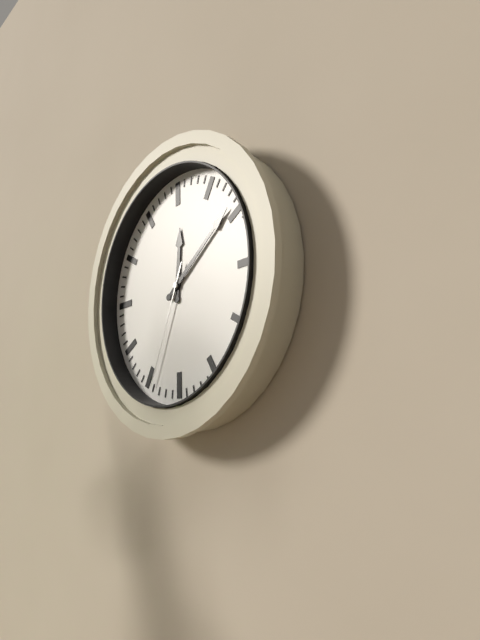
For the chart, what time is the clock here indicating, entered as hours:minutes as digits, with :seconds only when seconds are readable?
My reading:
12:09:34
